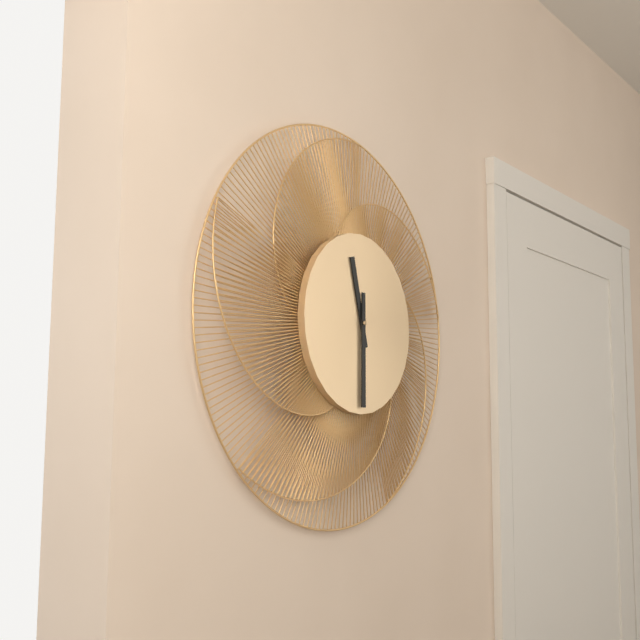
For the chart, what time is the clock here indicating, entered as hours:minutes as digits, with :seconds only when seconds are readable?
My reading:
11:30
